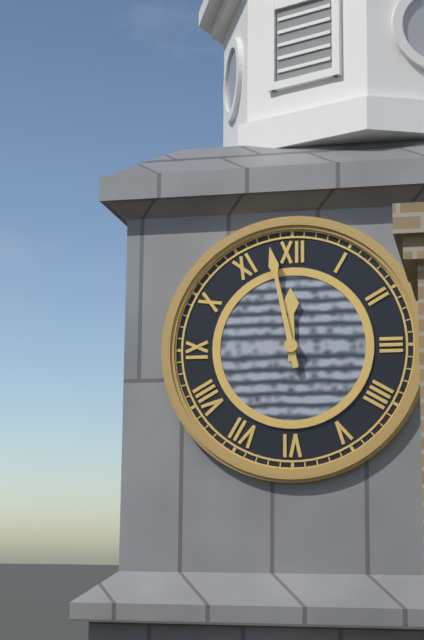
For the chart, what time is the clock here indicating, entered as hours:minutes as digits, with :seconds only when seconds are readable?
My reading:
11:58
